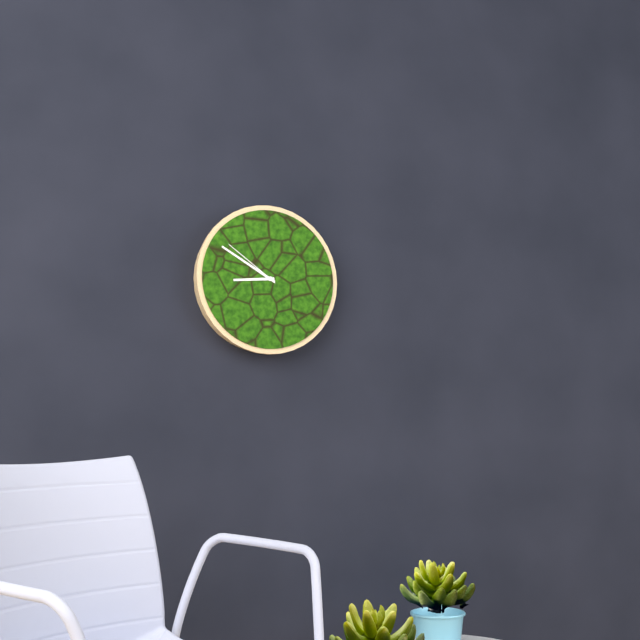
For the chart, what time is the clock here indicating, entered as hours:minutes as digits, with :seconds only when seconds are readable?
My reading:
8:50:51
